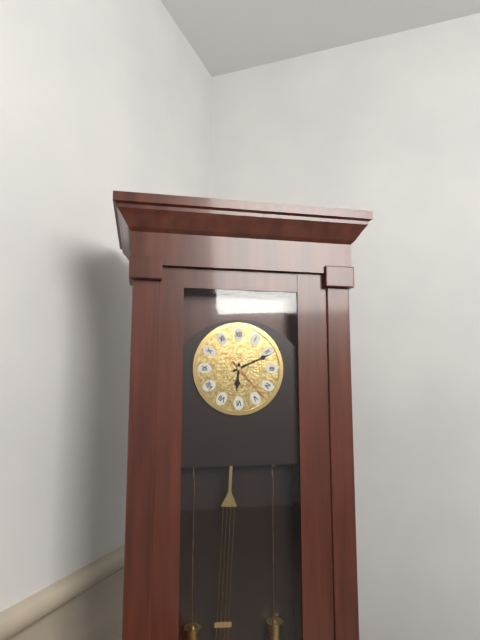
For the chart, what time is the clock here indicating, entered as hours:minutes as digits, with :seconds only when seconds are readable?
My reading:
6:11
